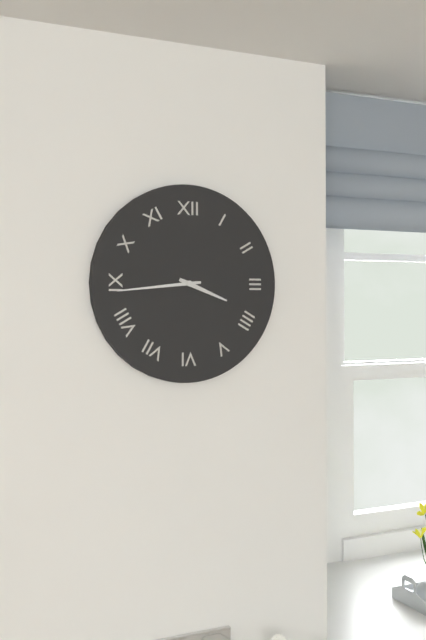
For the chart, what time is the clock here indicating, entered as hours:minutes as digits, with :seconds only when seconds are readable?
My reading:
3:44
